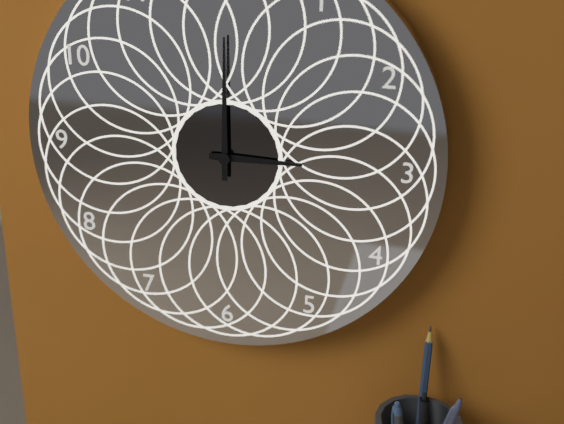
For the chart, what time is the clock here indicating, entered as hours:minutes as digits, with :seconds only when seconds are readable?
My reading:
3:00
